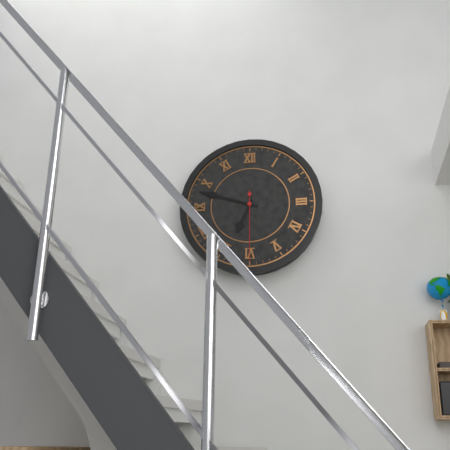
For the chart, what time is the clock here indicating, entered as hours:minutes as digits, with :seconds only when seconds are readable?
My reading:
6:48:30
